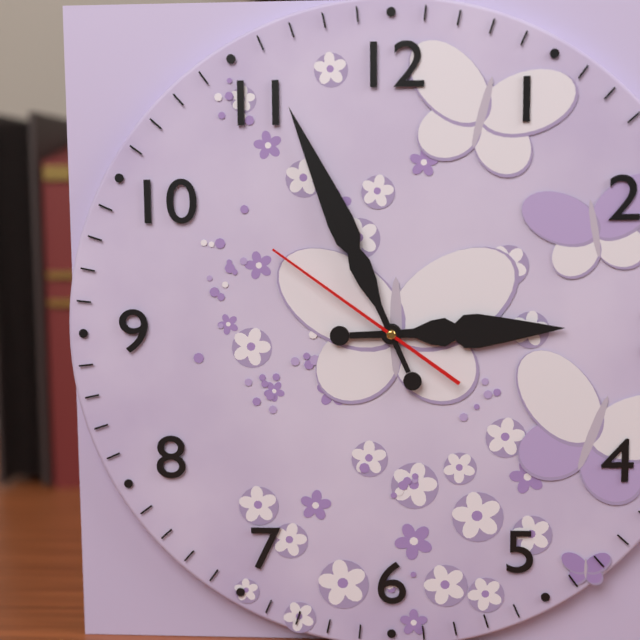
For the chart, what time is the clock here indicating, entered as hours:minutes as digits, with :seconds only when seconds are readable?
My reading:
2:56:51
